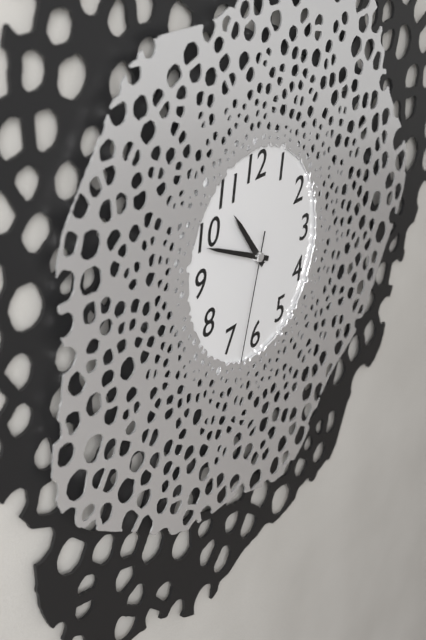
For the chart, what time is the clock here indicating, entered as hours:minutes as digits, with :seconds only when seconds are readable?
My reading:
10:49:33
